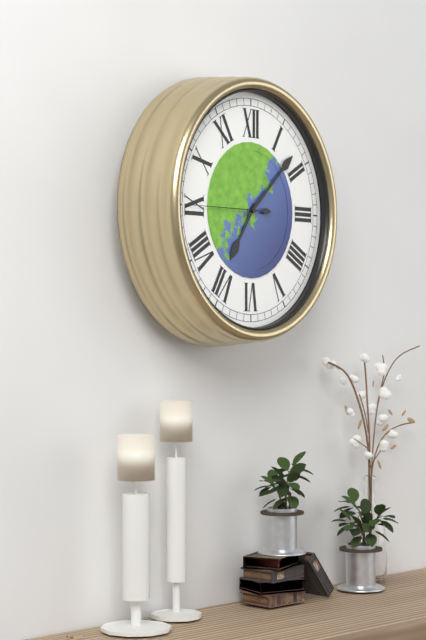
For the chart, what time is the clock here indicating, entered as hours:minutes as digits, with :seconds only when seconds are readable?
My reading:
7:08:45
